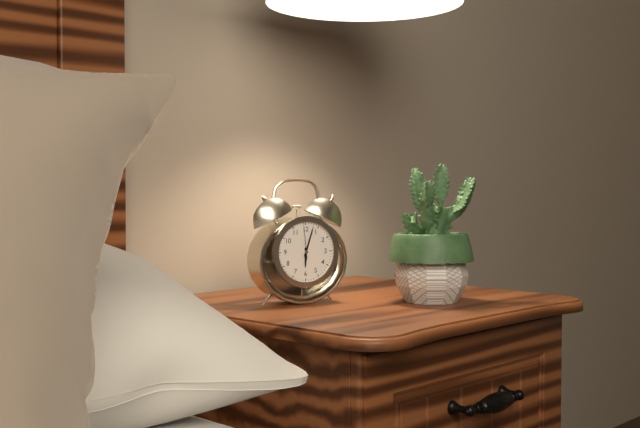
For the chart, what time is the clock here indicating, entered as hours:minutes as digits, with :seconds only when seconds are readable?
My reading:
6:03
